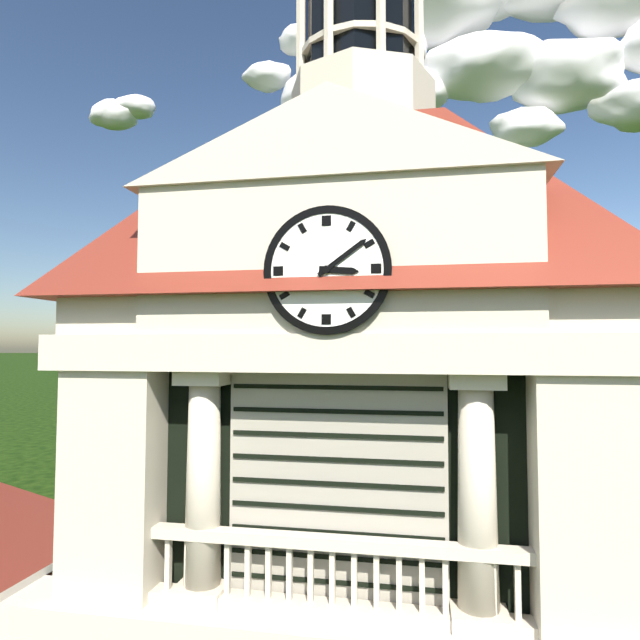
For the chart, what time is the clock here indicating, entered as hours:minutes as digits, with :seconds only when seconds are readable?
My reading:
3:09
